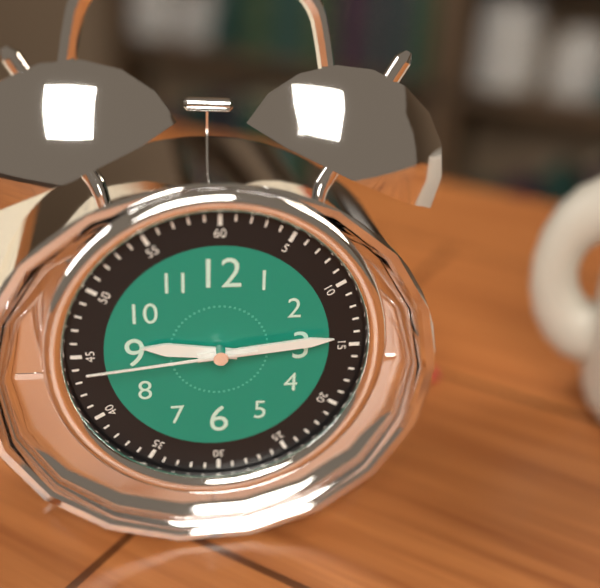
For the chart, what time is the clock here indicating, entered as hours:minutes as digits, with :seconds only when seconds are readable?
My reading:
9:14:44
